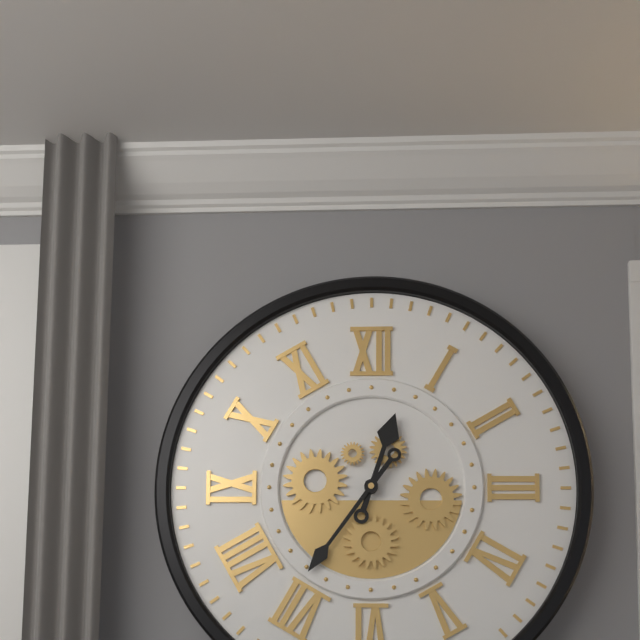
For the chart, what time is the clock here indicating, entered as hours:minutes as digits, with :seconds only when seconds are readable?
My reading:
12:36
